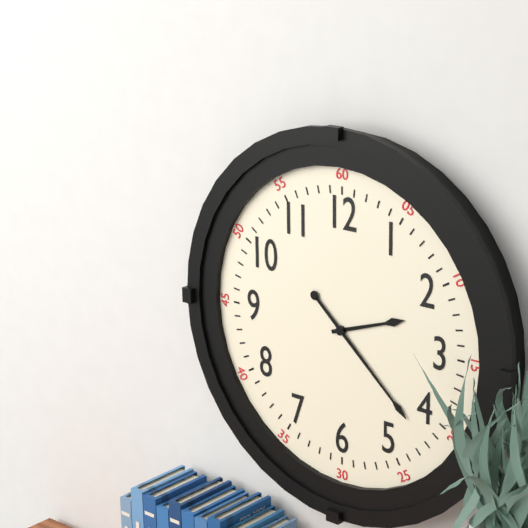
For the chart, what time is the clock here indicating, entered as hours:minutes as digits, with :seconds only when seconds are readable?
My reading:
2:22
